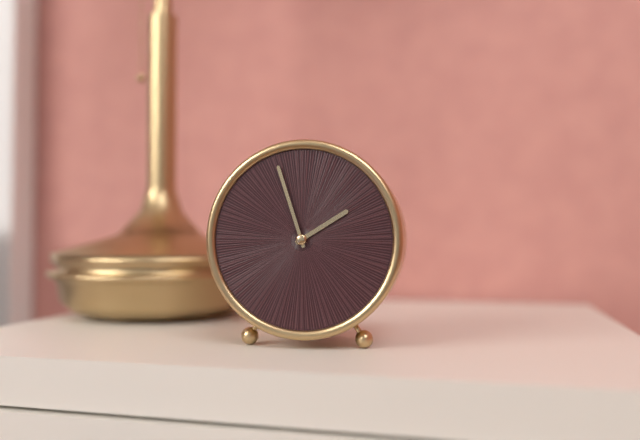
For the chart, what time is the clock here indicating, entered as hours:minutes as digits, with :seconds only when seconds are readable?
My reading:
1:57
